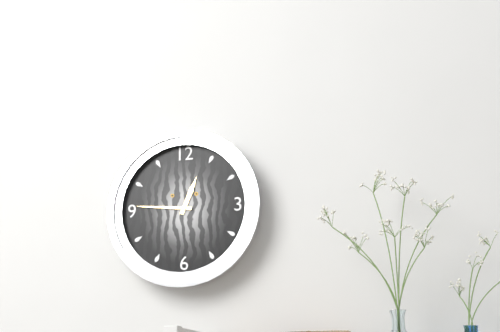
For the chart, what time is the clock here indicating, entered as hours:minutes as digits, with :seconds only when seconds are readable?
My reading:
12:46
